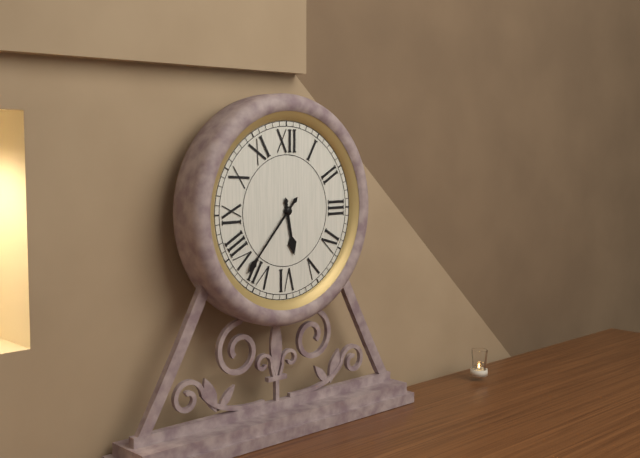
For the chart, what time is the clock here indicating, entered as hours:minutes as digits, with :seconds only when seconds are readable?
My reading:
5:37
